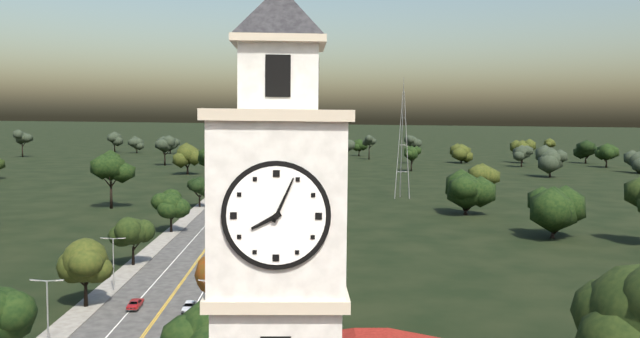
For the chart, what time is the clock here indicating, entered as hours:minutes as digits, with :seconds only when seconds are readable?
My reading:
8:04
